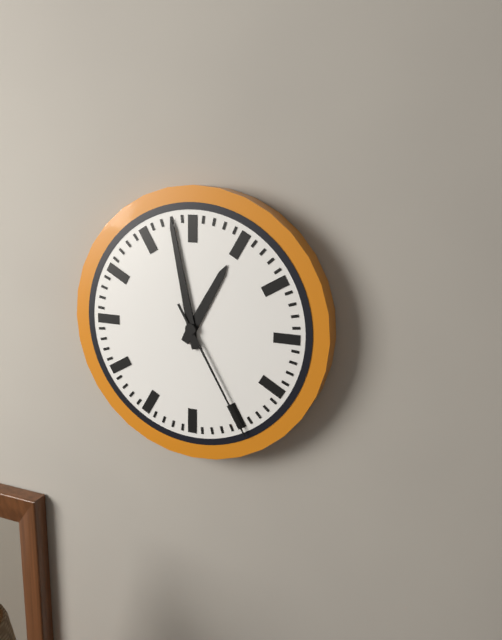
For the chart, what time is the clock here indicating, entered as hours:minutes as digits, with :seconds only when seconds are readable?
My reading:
12:58:25
